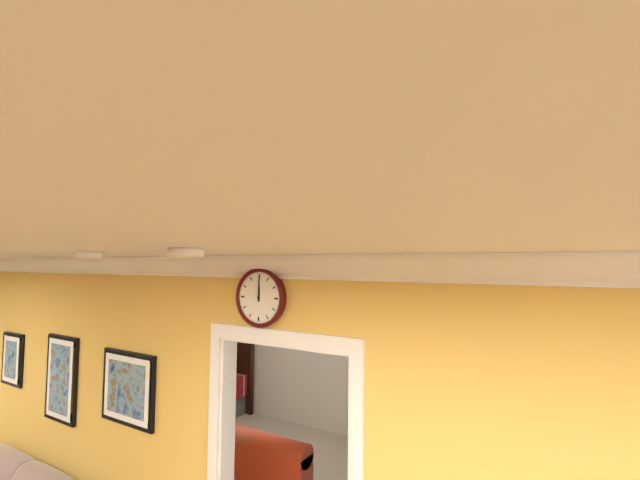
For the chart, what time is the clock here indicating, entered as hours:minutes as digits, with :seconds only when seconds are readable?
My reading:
12:00
